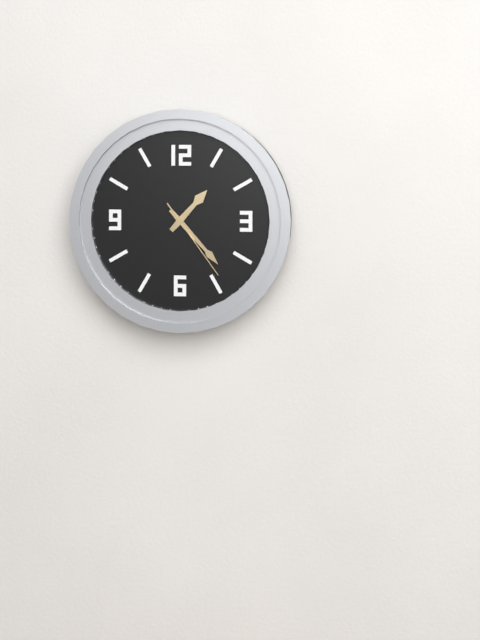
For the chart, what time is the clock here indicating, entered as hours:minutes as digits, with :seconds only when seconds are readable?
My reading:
1:23:24
